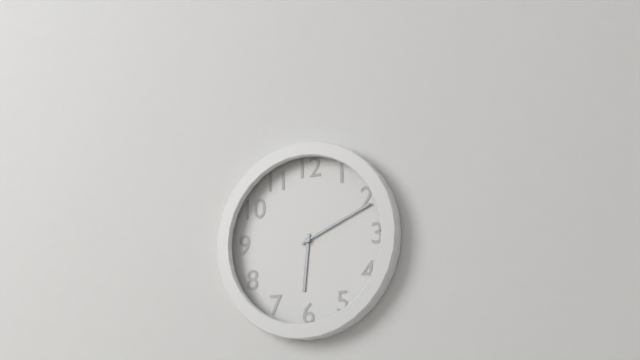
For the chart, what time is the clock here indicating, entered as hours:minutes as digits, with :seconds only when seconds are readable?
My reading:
6:11
